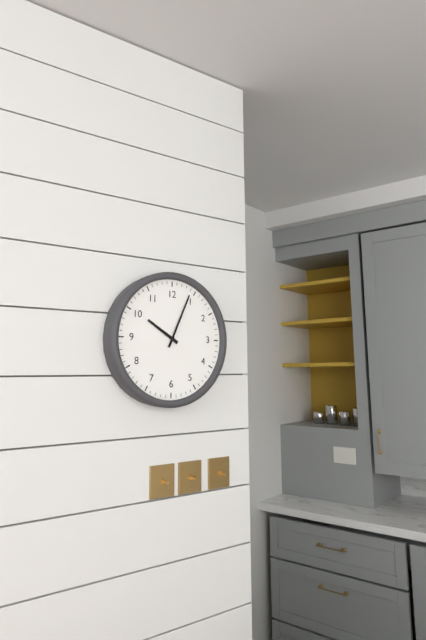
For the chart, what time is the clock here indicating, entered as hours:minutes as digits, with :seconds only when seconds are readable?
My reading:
10:04
